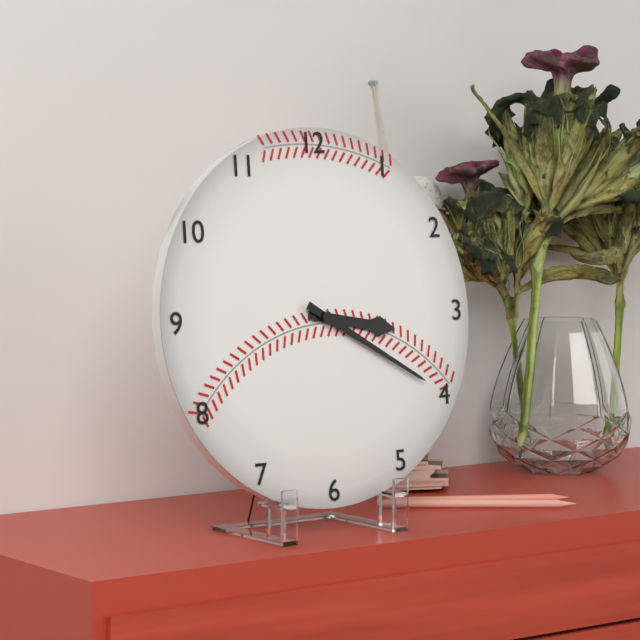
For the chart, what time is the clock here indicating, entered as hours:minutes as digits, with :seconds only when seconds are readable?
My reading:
3:20
